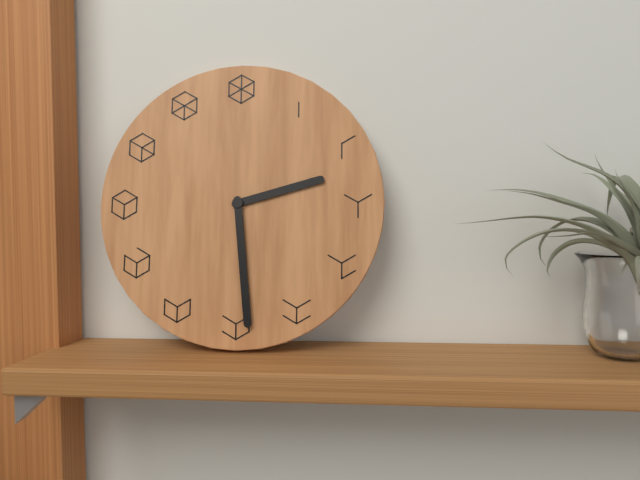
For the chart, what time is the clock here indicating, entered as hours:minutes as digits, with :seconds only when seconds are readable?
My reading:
2:29
